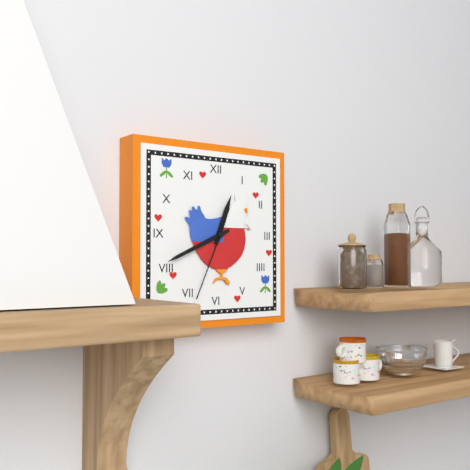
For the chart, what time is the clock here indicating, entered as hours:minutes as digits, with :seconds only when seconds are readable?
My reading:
12:41:34
